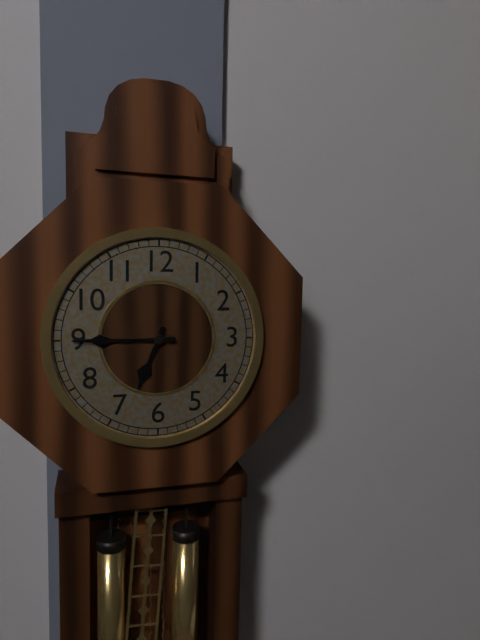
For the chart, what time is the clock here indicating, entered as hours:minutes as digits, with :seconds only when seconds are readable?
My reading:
6:45
